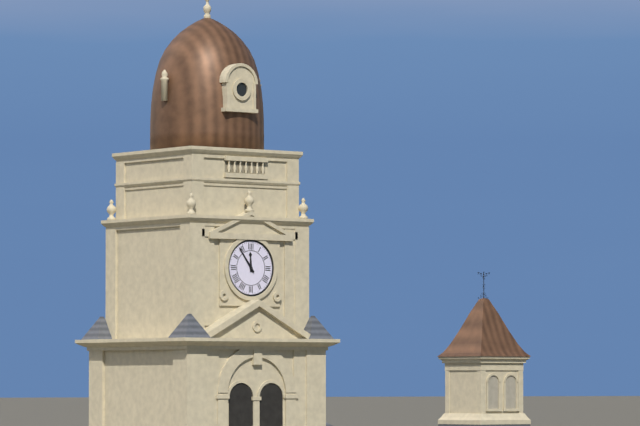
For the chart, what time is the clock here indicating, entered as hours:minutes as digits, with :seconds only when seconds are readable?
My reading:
11:54
